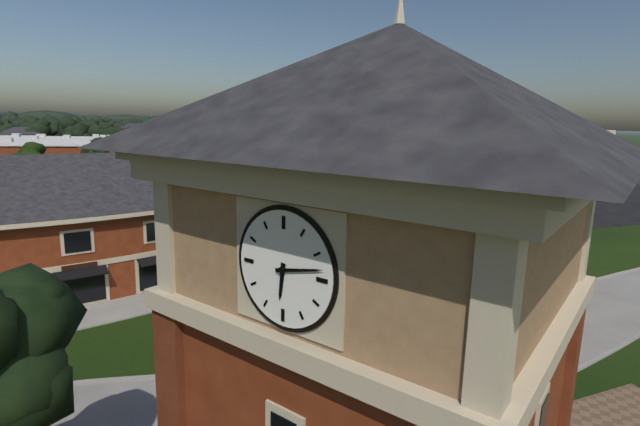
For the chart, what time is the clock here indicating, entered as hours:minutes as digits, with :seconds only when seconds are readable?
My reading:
6:13
